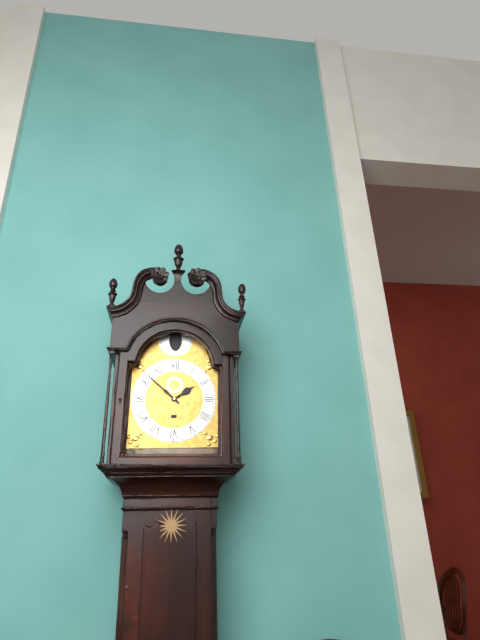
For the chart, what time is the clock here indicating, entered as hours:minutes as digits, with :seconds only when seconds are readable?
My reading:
1:52
